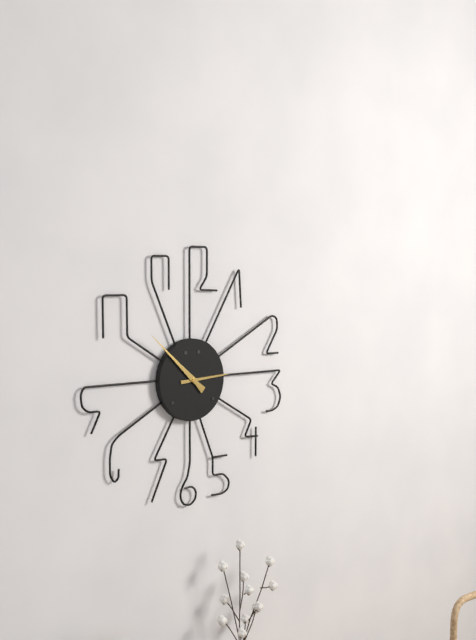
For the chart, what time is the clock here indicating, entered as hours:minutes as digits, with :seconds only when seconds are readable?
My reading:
2:52
